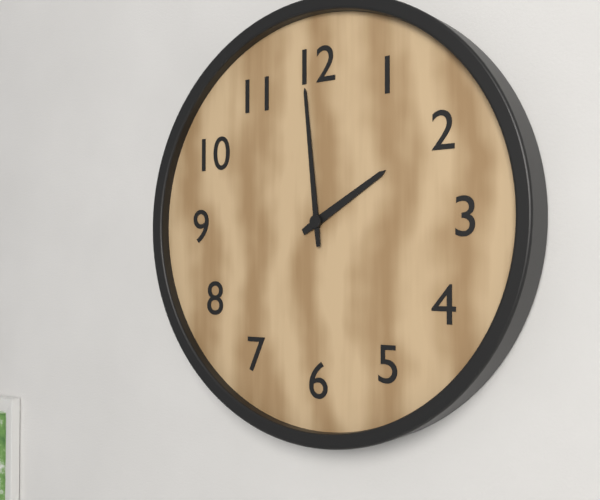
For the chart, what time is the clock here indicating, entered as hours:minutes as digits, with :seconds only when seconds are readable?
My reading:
1:59
